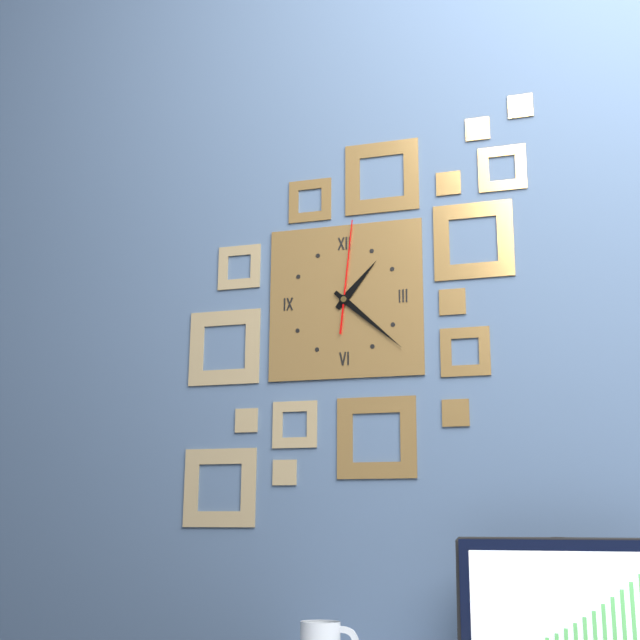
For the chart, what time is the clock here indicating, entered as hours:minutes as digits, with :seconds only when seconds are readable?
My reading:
1:22:01
